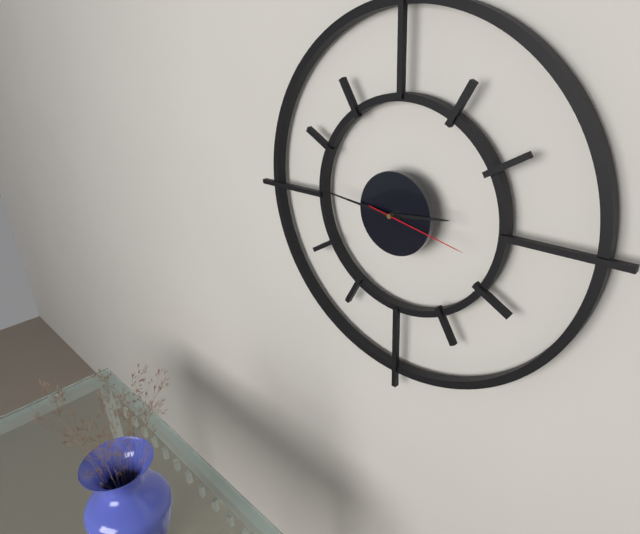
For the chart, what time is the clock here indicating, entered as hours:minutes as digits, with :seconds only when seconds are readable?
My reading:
2:46:17
